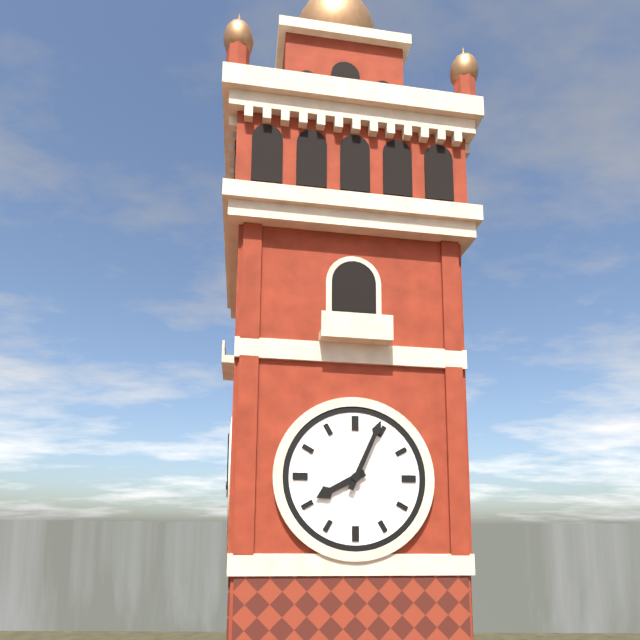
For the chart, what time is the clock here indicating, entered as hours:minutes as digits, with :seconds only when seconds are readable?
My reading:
8:04
